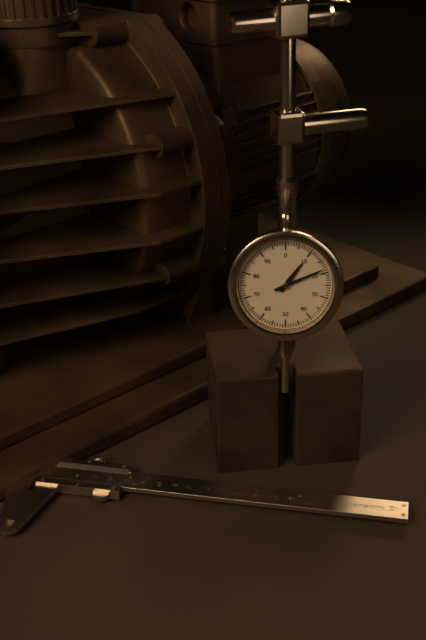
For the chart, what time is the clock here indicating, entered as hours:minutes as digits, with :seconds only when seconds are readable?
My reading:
1:11
